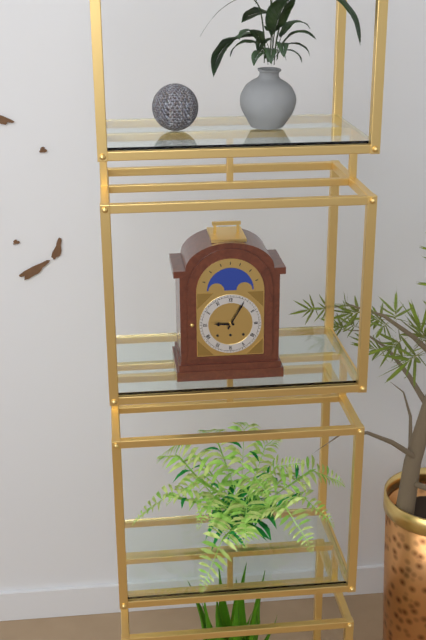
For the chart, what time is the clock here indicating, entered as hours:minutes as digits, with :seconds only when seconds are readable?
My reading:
9:05
